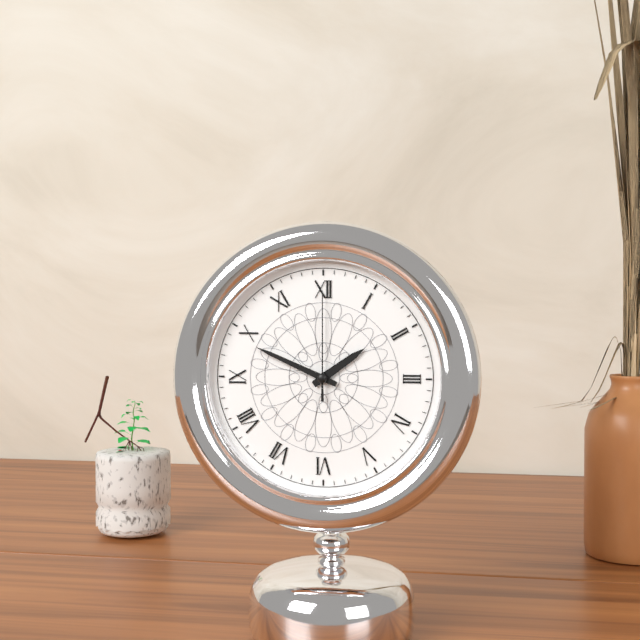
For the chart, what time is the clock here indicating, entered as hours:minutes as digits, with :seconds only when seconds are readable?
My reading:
1:49:00
